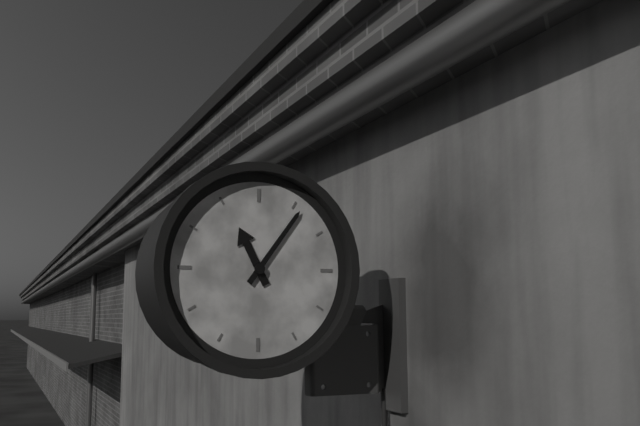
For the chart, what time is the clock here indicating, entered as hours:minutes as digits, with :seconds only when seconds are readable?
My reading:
11:06
